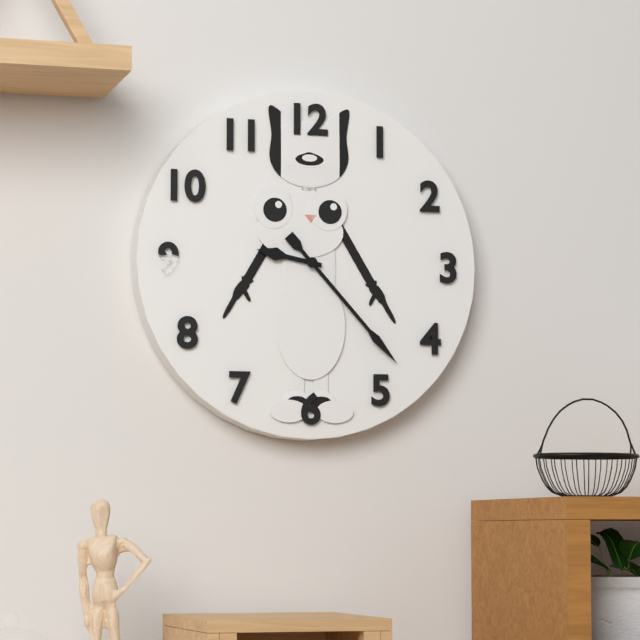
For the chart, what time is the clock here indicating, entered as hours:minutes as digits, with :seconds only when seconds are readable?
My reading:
9:23
